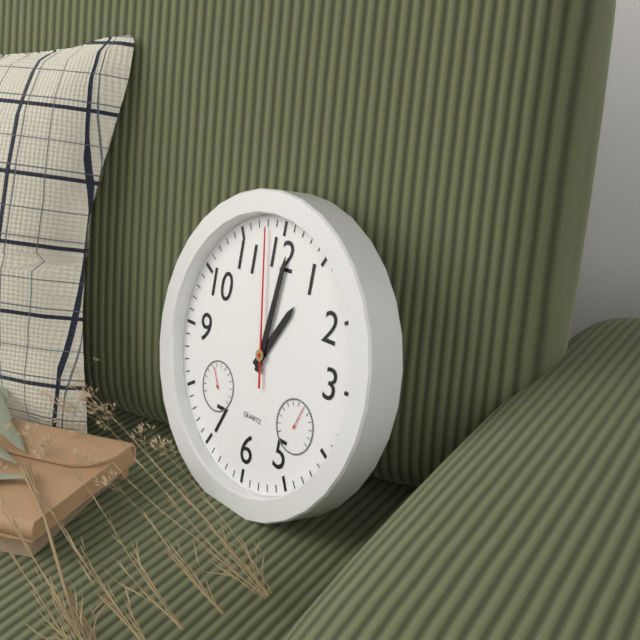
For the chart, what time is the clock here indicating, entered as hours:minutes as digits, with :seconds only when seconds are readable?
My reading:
1:01:58
